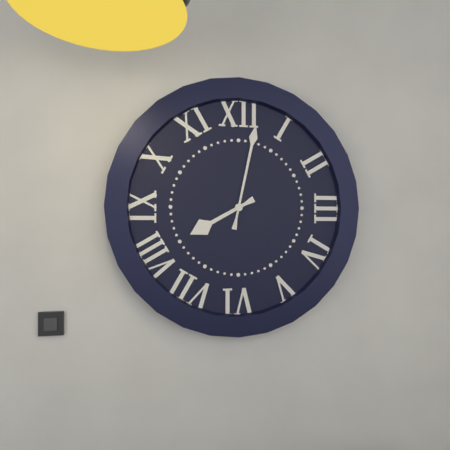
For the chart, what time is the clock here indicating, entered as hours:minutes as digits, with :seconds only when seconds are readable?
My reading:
8:02
